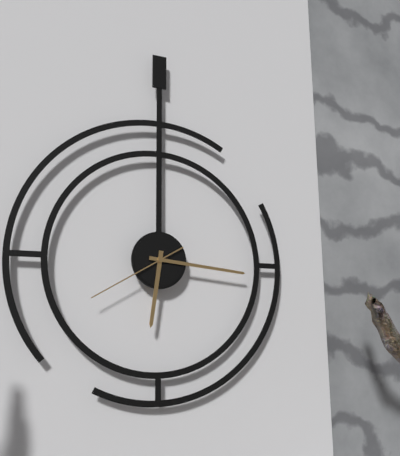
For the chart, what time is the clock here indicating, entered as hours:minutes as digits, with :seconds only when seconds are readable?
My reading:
6:16:40
